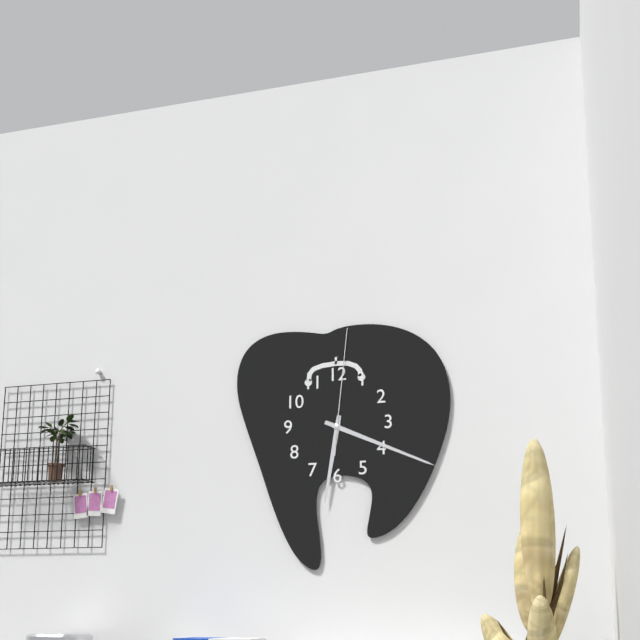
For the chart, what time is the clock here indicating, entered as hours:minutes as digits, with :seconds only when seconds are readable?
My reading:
6:19:01
